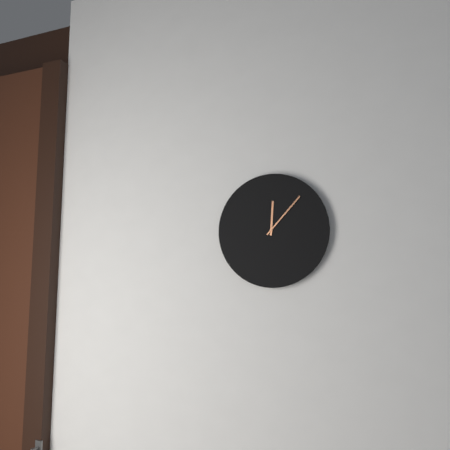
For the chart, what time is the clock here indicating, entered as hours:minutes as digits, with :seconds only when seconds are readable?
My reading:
12:07
